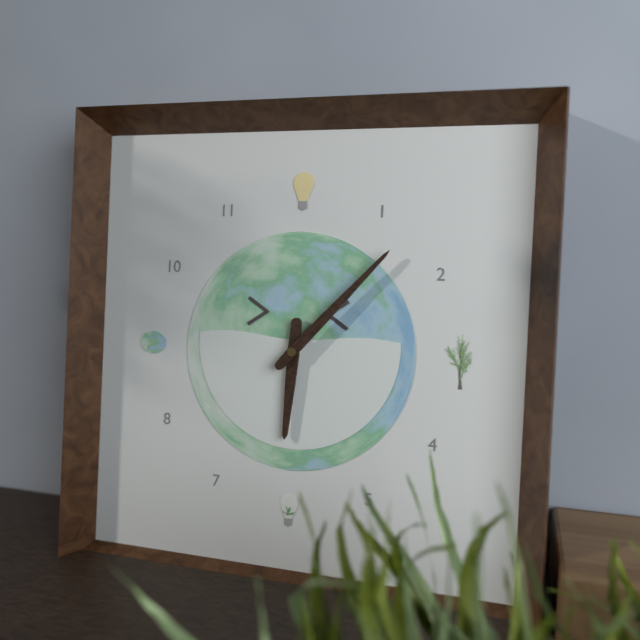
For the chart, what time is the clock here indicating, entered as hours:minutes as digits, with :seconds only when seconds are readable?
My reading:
6:07
